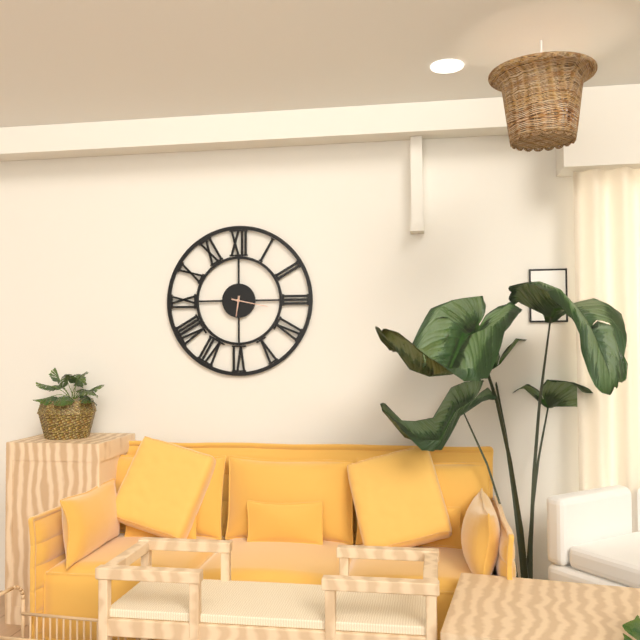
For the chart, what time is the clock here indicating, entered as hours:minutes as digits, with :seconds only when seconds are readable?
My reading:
6:17
